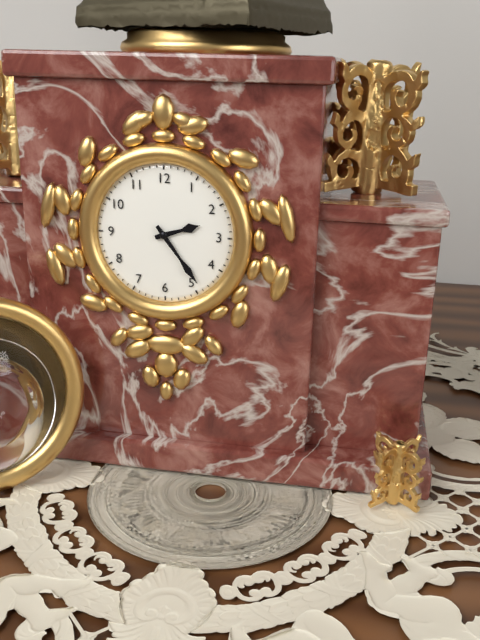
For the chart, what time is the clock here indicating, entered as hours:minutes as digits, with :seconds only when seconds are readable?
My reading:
2:24
